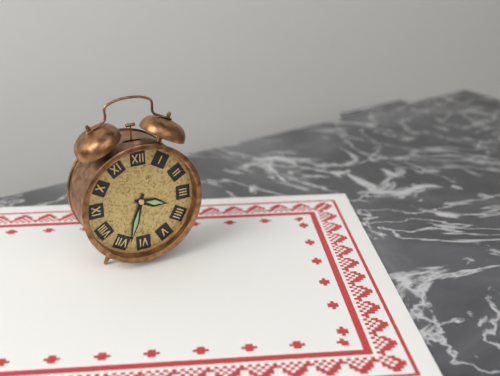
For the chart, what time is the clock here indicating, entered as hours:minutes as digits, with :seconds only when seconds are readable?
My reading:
3:33
